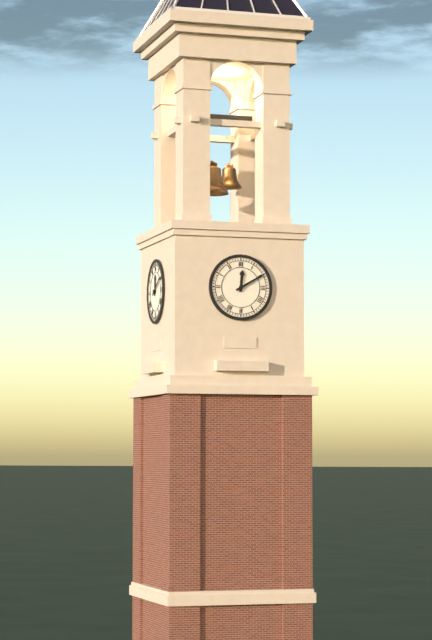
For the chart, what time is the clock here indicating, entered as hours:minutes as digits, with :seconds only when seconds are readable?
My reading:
12:10
